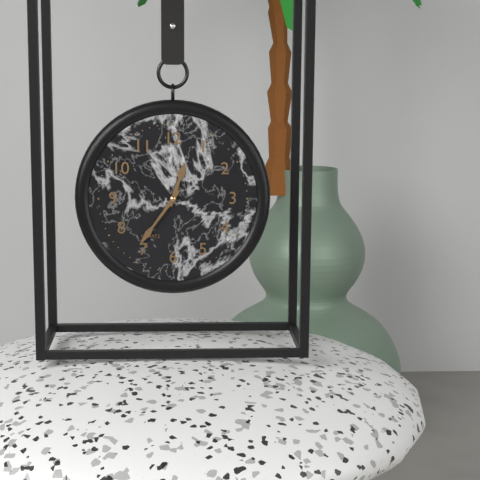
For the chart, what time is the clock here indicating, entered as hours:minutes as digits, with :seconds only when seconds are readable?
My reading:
12:36
